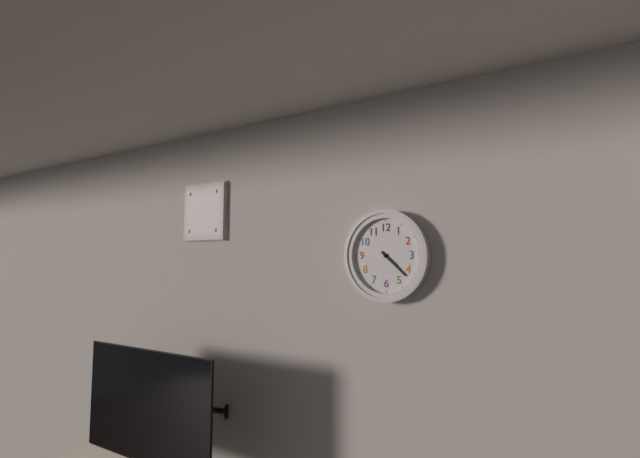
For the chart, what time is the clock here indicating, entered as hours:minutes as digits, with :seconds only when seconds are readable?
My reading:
4:22
